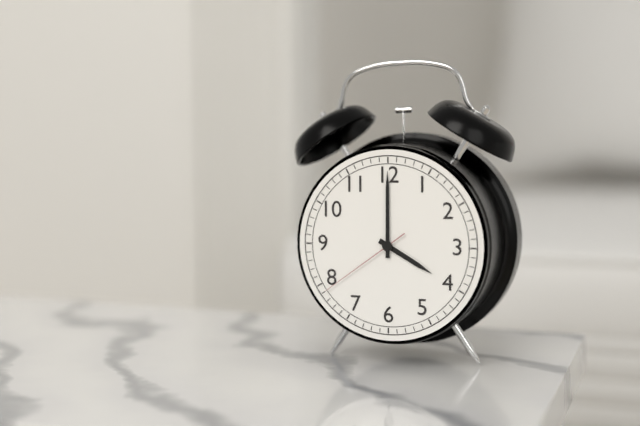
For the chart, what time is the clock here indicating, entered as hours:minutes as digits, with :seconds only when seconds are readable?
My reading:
4:00:39
